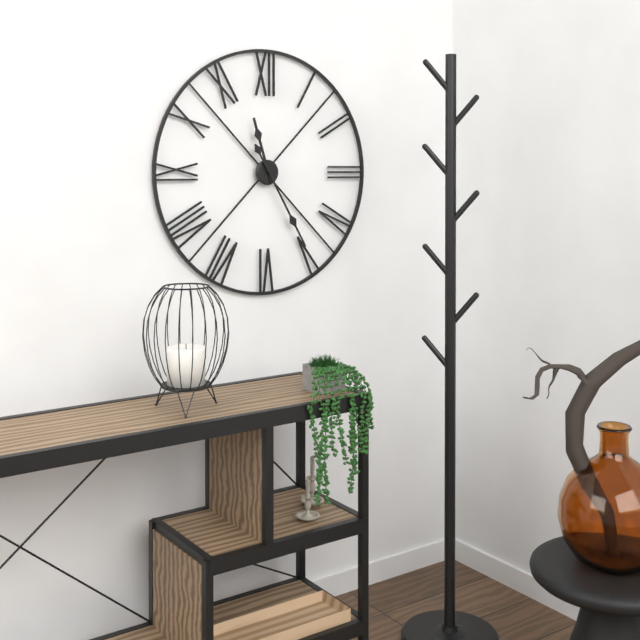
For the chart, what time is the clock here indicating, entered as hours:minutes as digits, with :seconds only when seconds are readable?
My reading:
11:25
